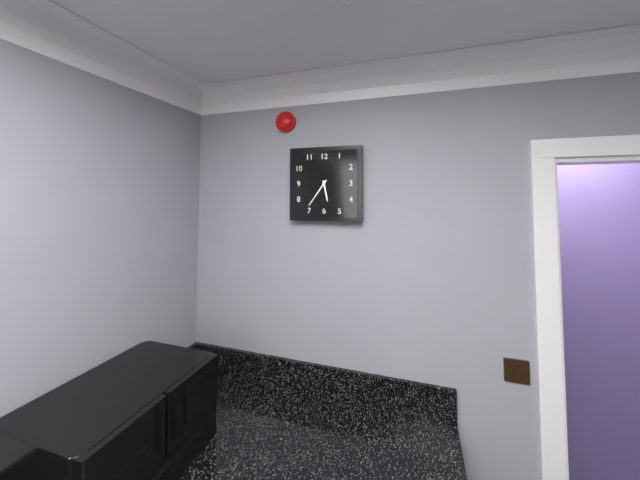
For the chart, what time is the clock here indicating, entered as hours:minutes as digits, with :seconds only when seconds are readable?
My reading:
5:36
